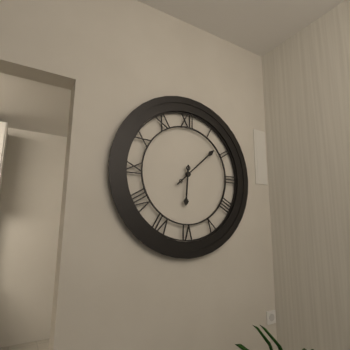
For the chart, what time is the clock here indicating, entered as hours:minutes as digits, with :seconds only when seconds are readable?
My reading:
6:08
